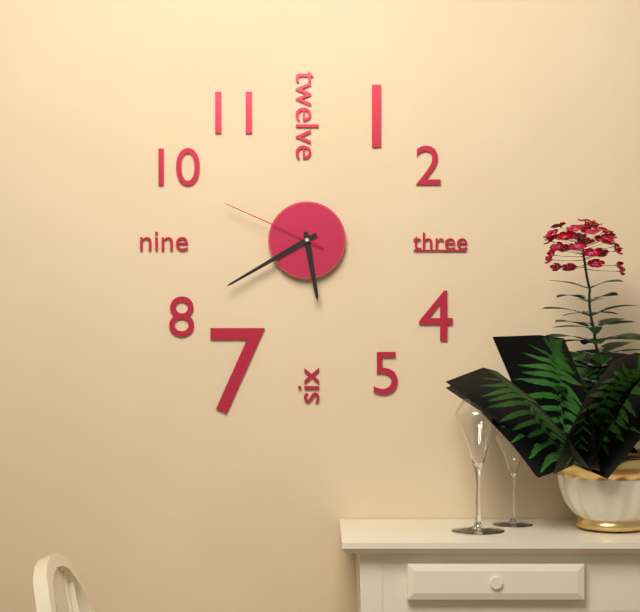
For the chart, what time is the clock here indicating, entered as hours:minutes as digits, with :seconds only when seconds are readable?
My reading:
5:40:49
